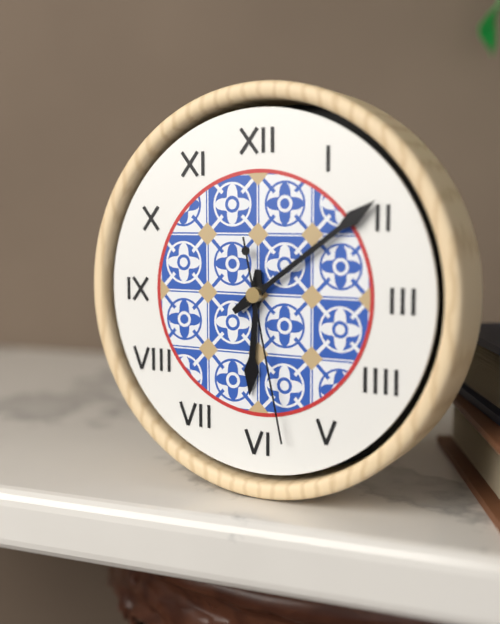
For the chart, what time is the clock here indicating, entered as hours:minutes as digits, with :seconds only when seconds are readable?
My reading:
6:09:28
